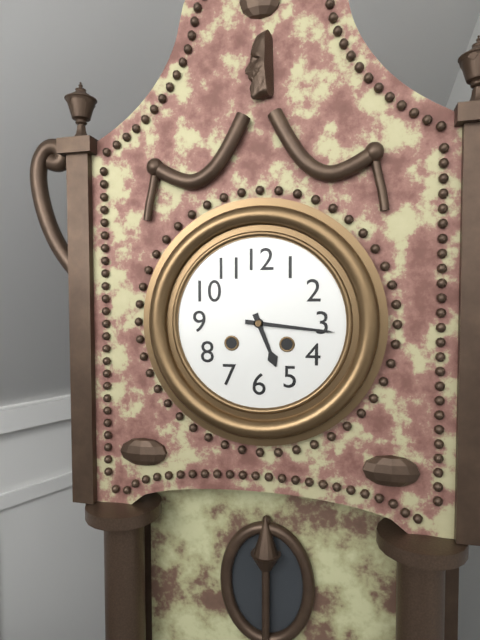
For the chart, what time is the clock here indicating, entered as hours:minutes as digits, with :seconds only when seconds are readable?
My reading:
5:16
